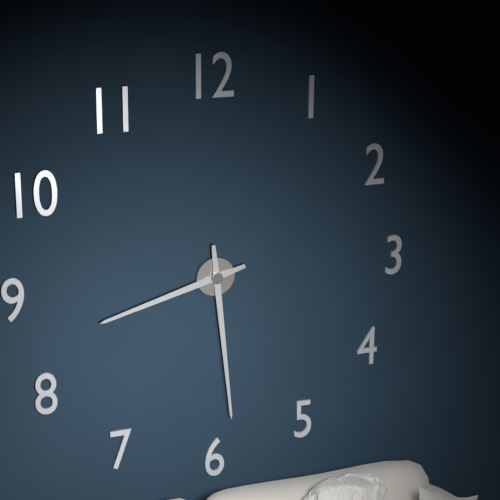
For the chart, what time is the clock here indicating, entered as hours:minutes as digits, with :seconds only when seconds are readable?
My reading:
8:29
